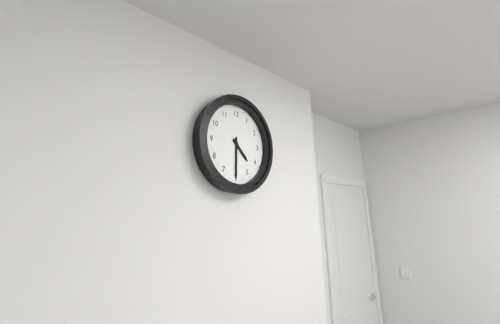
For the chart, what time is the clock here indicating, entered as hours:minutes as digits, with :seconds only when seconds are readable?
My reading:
4:30
